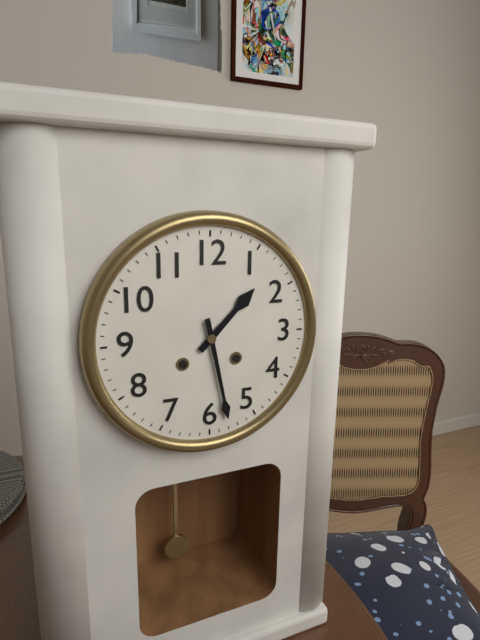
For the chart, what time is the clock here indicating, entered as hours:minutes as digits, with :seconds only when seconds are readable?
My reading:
1:28
